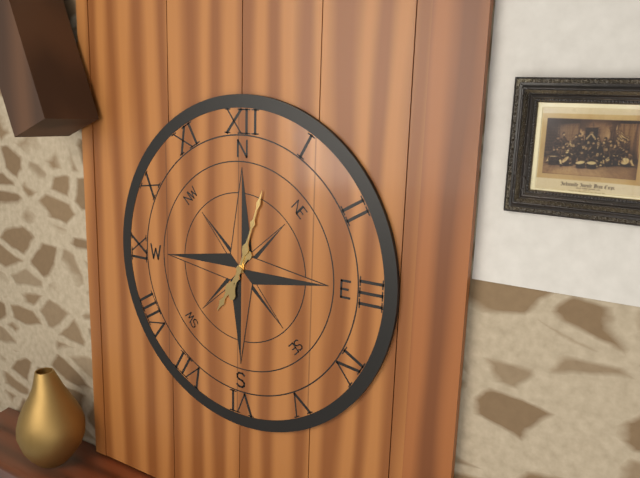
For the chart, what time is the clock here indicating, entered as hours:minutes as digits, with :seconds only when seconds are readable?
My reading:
7:03
